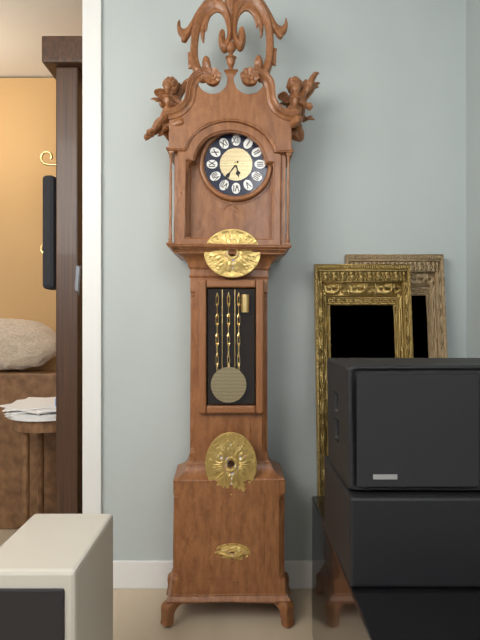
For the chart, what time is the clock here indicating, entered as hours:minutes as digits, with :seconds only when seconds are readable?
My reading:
5:36
